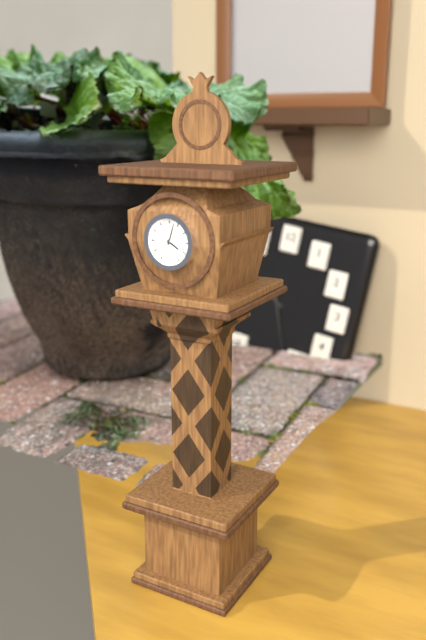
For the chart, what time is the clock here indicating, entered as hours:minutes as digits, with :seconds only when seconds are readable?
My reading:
4:03
